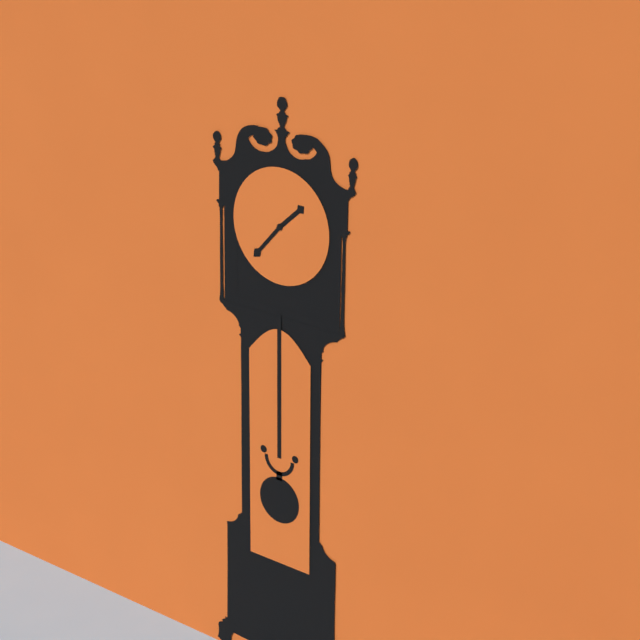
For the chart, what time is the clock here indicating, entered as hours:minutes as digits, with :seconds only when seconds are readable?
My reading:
1:37
